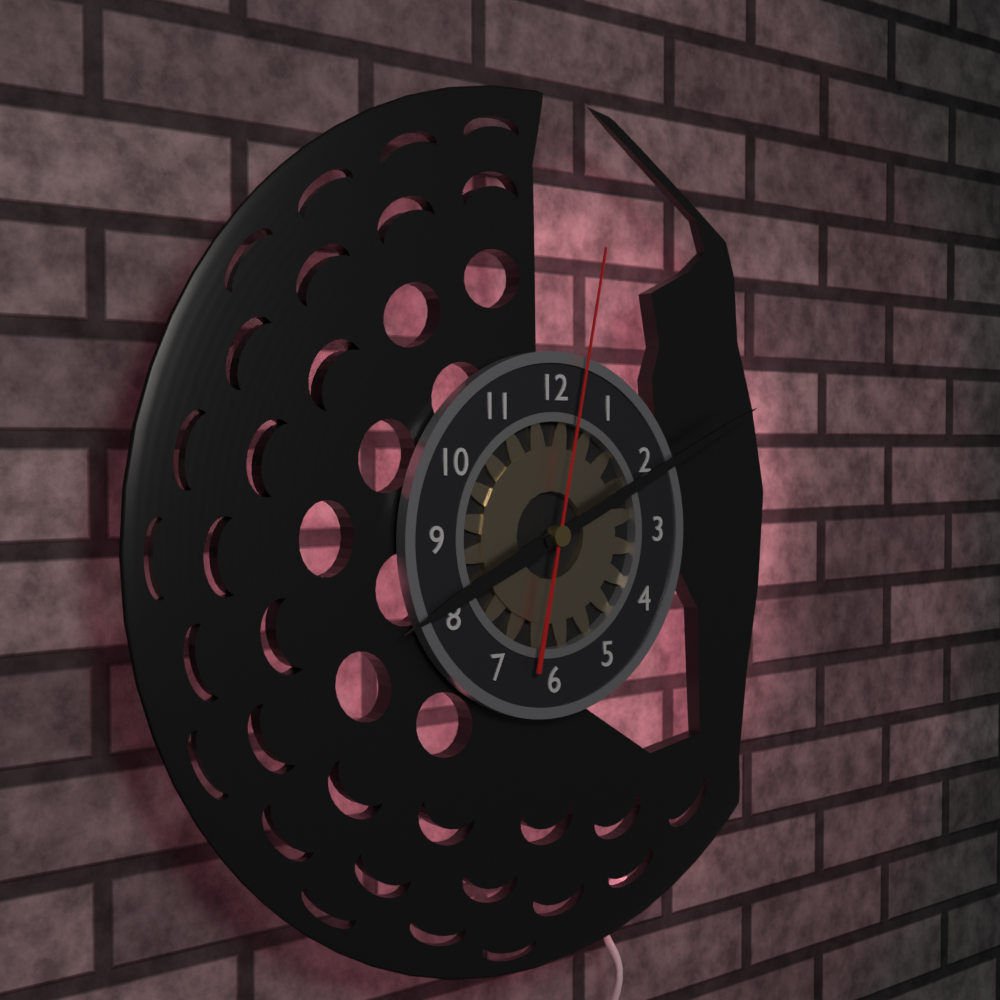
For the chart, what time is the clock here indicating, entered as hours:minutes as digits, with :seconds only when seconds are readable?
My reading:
8:11:02
